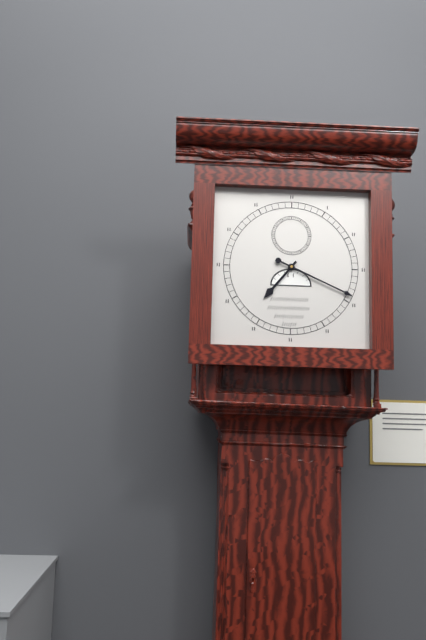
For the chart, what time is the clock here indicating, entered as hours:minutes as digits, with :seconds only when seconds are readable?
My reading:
7:19
